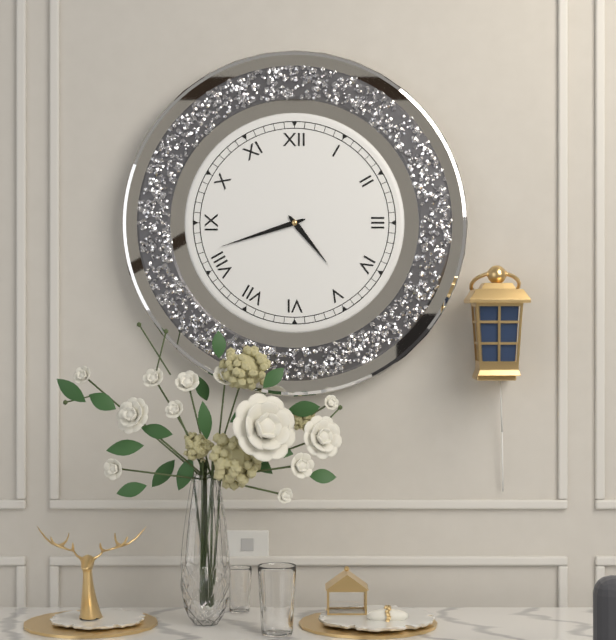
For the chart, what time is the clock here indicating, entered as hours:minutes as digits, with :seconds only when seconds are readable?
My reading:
4:42
